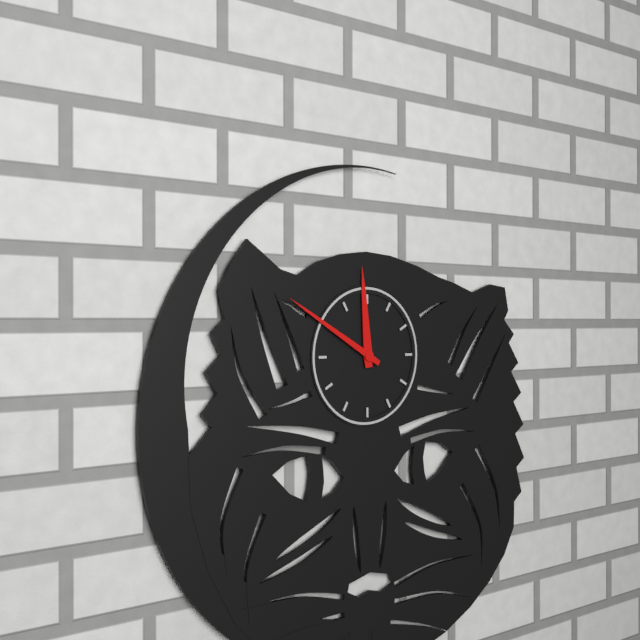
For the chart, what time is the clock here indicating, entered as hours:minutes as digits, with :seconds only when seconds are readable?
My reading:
11:50
